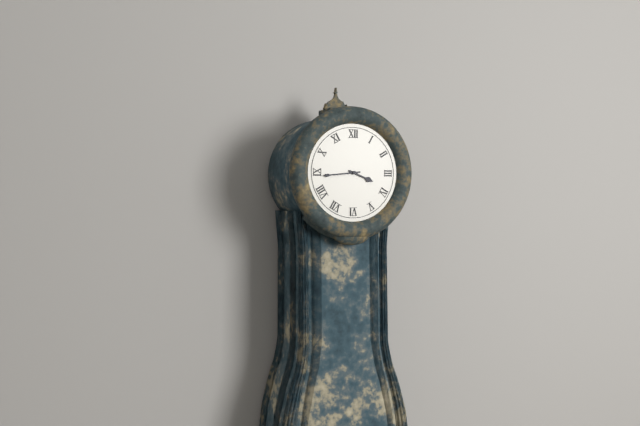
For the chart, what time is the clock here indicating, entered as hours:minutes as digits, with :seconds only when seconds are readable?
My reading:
3:44
